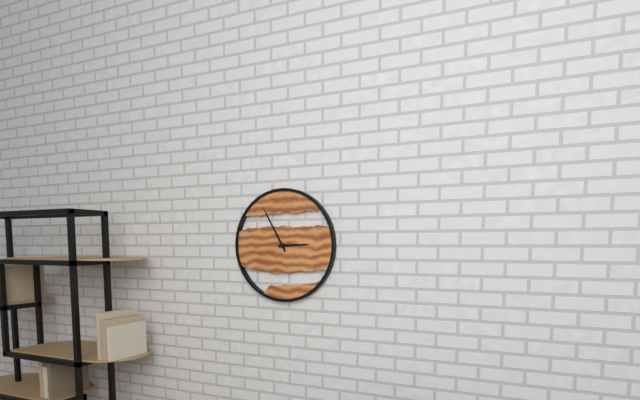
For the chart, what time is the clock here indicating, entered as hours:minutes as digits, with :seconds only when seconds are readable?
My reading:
2:55
